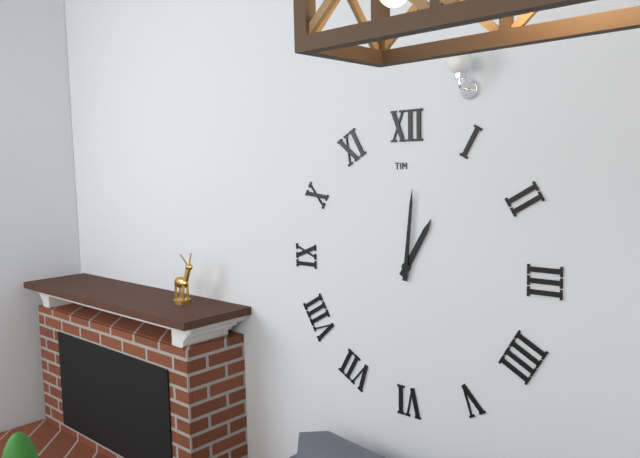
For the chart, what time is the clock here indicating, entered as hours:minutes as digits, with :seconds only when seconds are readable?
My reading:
1:01
